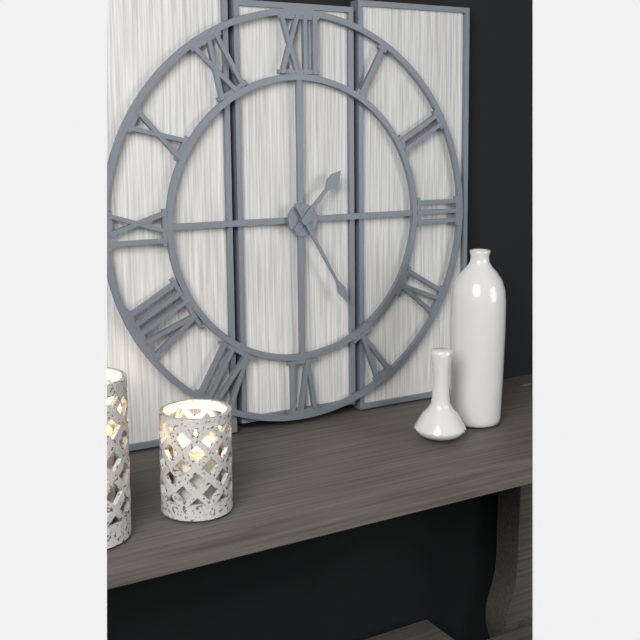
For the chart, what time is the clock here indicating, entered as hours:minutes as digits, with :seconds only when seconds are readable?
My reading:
1:25
